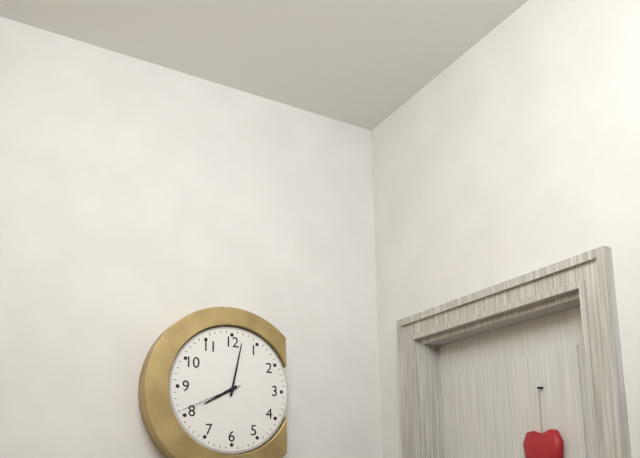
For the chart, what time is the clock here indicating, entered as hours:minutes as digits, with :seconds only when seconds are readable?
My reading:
8:02:41
